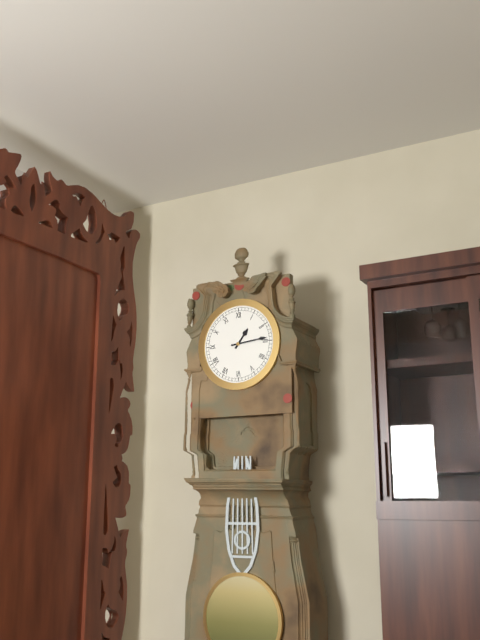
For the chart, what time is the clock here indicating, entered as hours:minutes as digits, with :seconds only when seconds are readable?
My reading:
1:14
